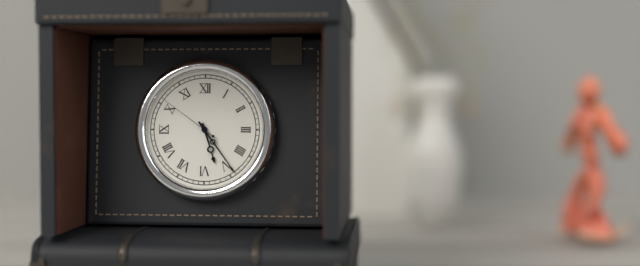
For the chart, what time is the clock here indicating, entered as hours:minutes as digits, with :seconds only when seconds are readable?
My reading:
5:24:51
